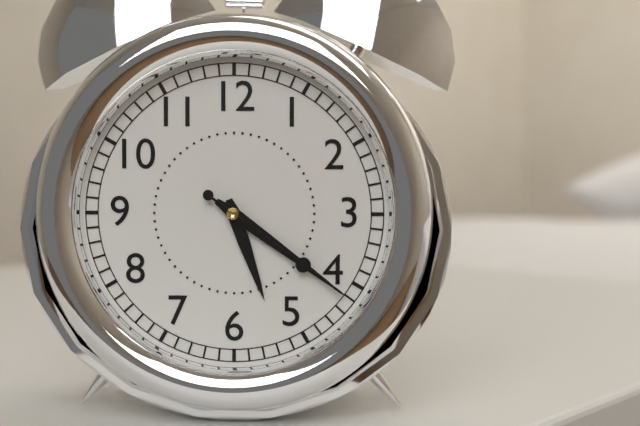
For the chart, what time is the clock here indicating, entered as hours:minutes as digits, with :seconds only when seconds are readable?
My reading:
5:21:21
